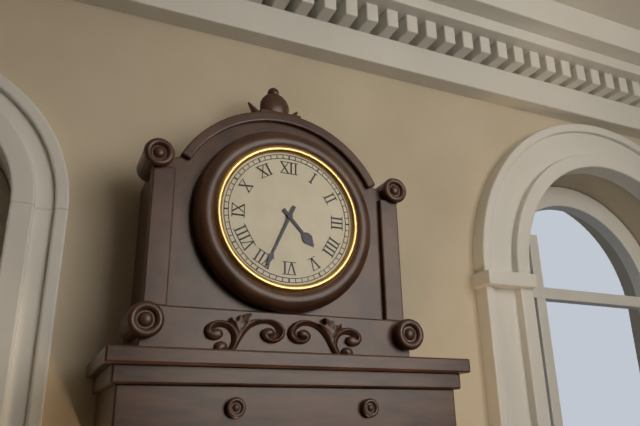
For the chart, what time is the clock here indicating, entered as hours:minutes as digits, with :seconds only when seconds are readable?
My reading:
4:34
